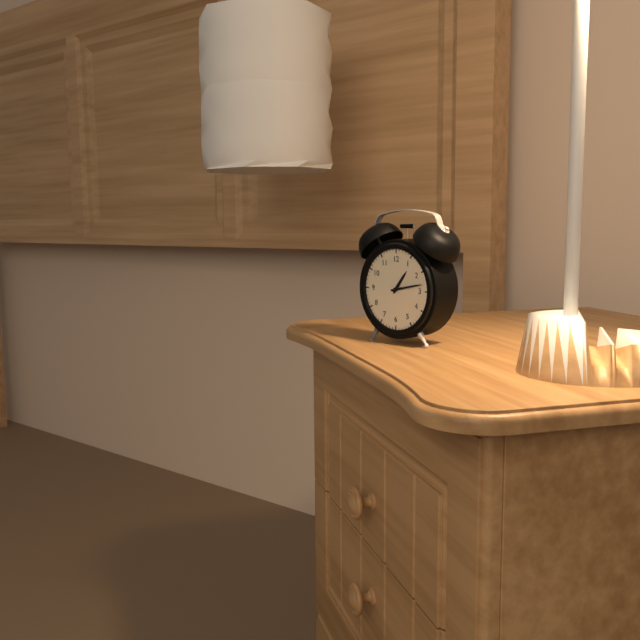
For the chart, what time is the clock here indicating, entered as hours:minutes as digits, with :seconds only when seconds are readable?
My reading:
1:13
